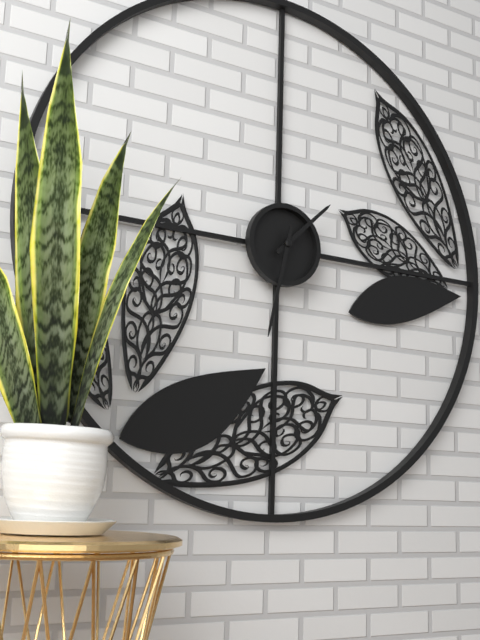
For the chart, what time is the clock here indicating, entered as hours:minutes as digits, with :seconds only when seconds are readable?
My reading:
1:32
